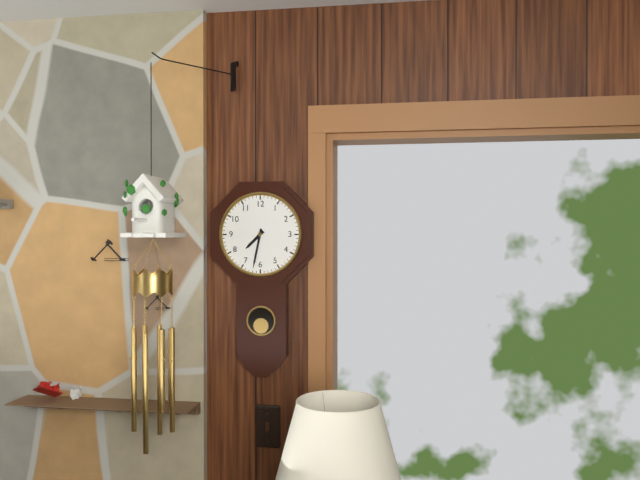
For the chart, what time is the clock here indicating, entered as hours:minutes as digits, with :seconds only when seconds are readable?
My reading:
7:32
